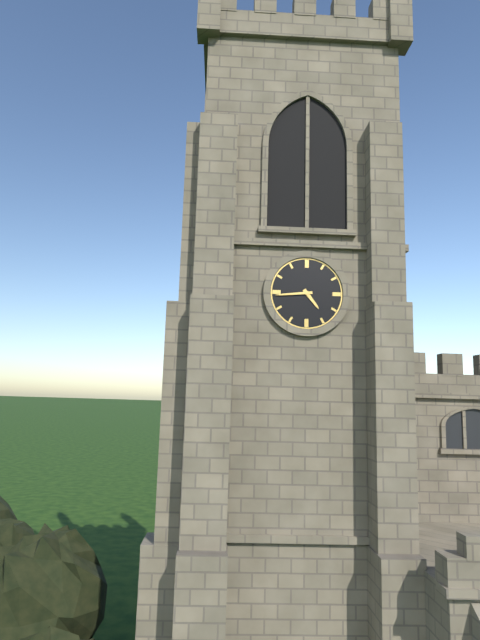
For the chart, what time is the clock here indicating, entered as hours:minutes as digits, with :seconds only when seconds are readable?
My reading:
4:44
